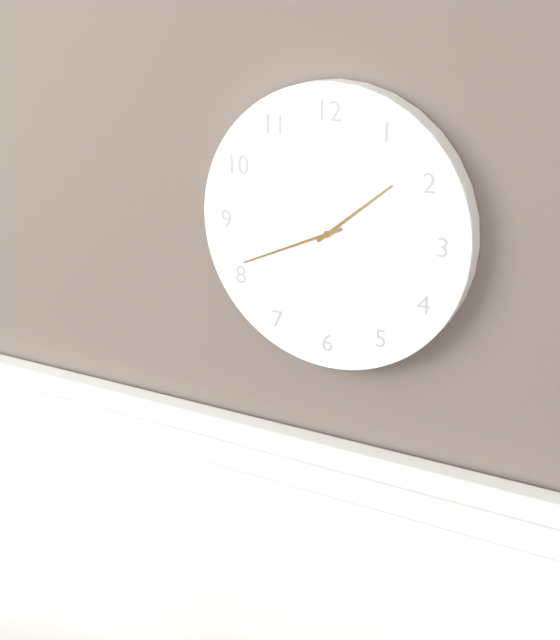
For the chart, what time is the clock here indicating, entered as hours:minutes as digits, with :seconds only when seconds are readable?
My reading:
1:41
